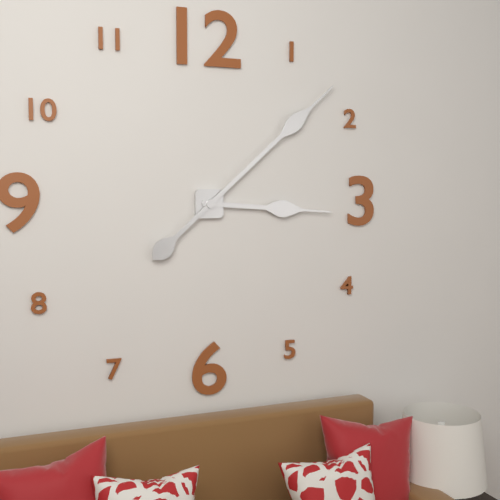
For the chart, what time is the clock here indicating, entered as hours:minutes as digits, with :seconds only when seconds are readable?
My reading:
3:08
